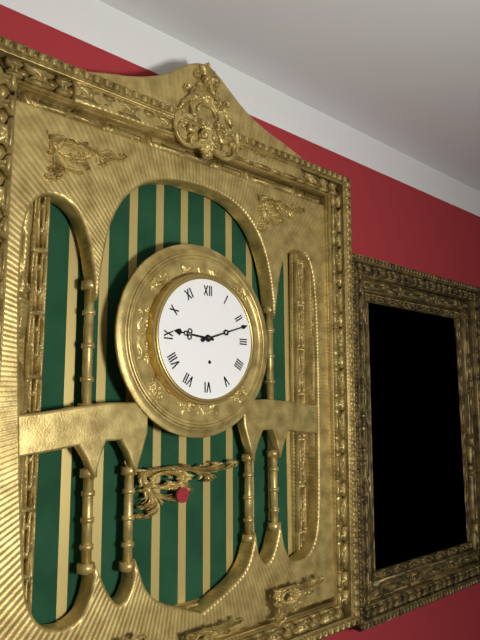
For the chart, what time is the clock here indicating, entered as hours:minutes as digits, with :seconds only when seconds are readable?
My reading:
9:12
